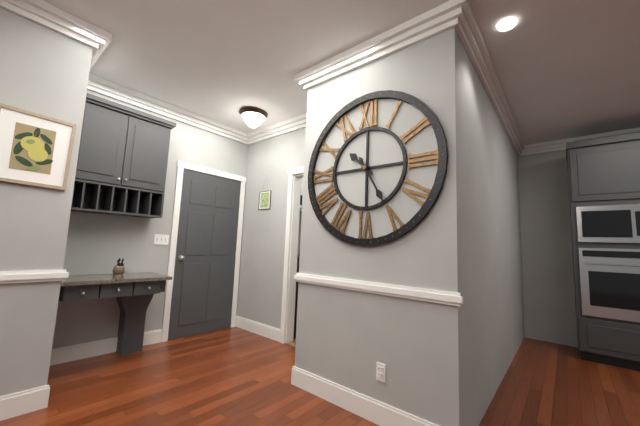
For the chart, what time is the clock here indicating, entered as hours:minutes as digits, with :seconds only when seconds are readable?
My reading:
10:25
